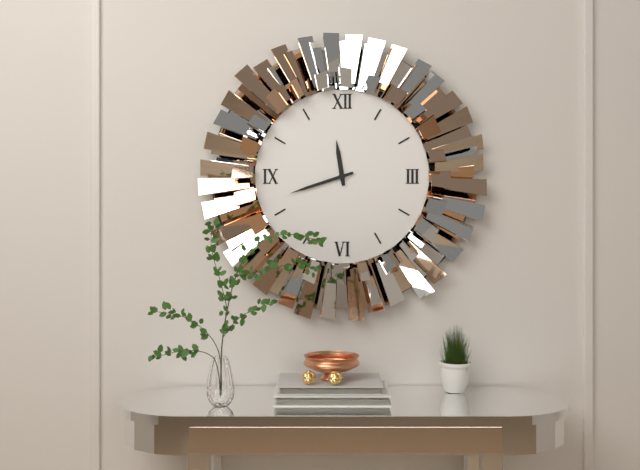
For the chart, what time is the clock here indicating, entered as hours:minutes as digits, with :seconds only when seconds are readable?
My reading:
11:42
